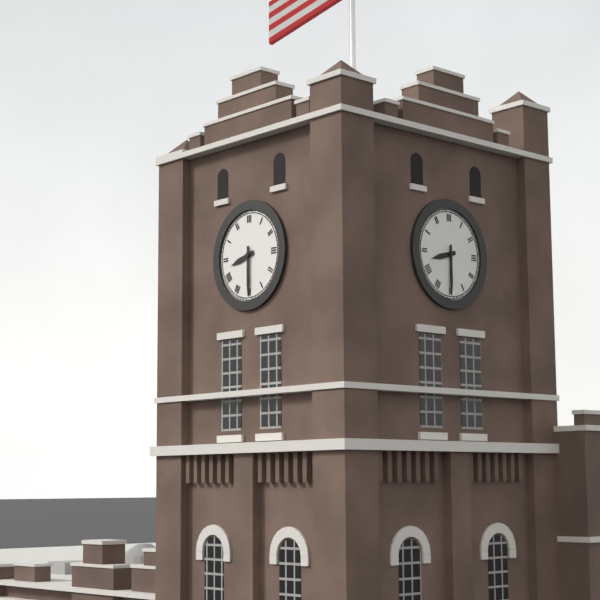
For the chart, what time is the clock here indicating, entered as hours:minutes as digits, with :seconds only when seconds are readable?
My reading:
8:30
